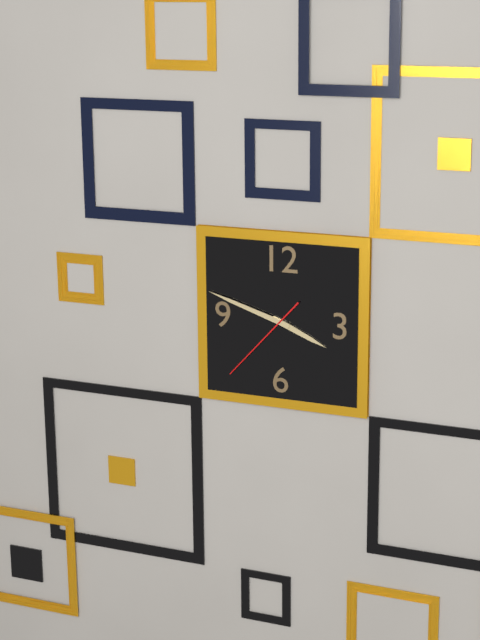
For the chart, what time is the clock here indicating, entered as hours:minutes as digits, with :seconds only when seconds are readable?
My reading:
3:48:37
